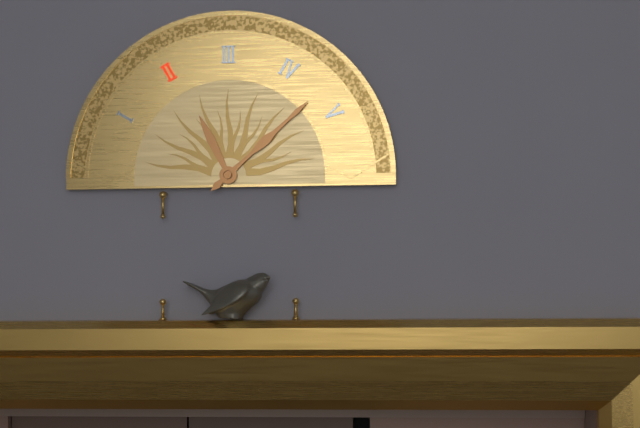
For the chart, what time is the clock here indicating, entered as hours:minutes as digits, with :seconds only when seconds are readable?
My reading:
11:08
